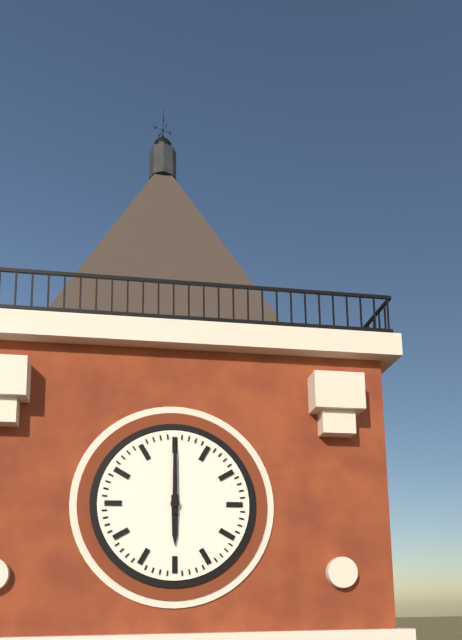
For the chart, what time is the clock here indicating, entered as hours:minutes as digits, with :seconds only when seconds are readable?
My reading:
6:00
